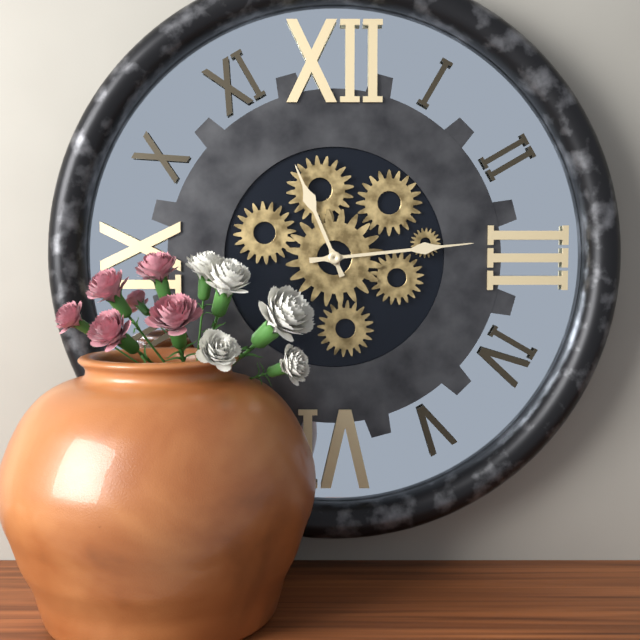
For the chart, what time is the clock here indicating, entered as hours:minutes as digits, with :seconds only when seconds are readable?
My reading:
11:14
